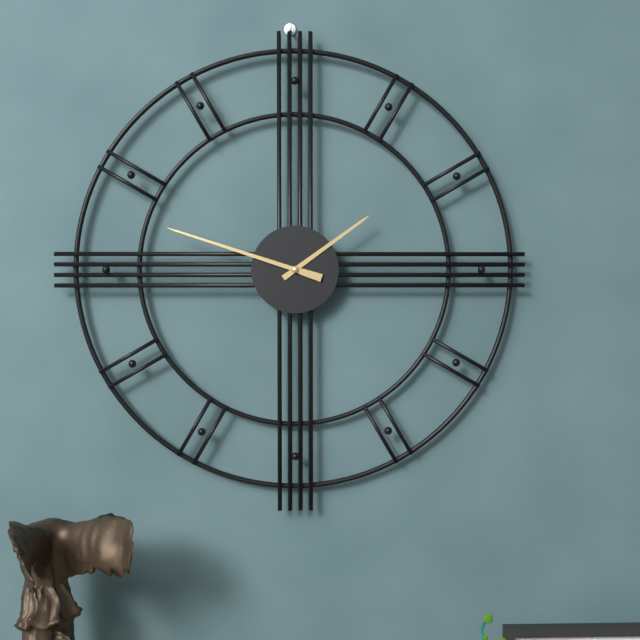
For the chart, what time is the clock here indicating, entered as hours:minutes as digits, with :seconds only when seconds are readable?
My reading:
1:48
